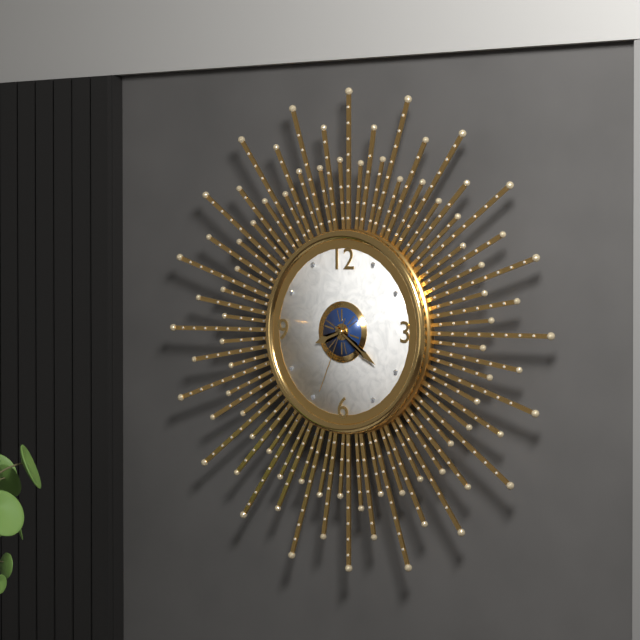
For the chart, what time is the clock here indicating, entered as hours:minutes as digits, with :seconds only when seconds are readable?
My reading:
8:21:34
